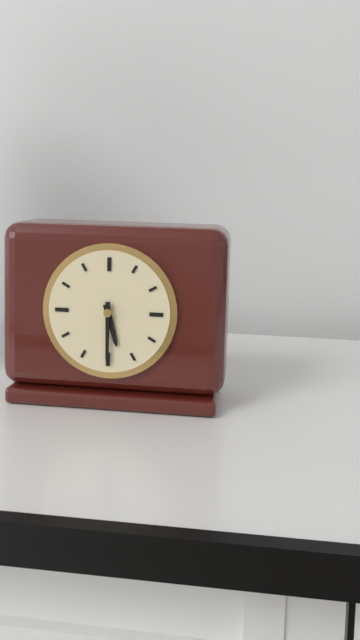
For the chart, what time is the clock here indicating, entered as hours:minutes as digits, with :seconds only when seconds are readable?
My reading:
5:30
